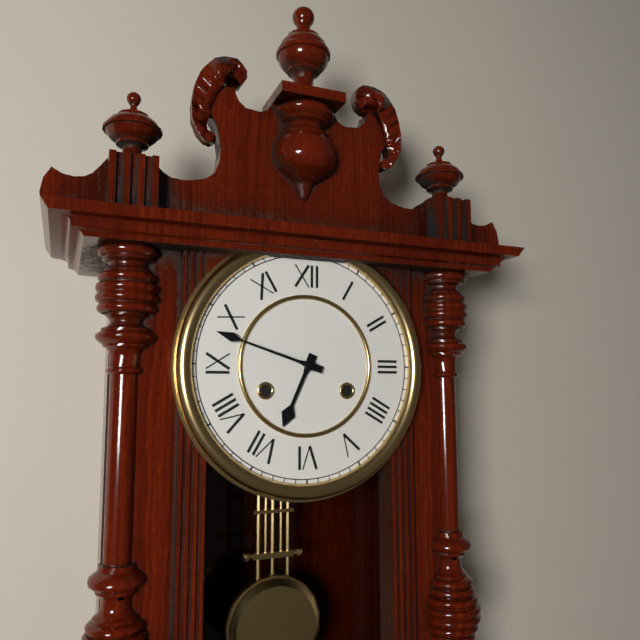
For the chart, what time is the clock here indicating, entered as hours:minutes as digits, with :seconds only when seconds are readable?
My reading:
6:48
